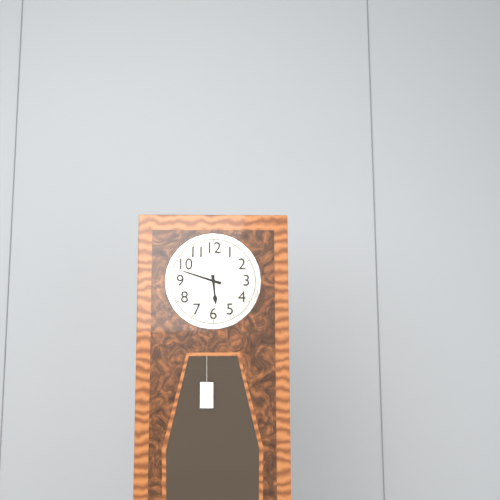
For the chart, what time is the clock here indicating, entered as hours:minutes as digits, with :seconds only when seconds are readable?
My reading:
5:48
